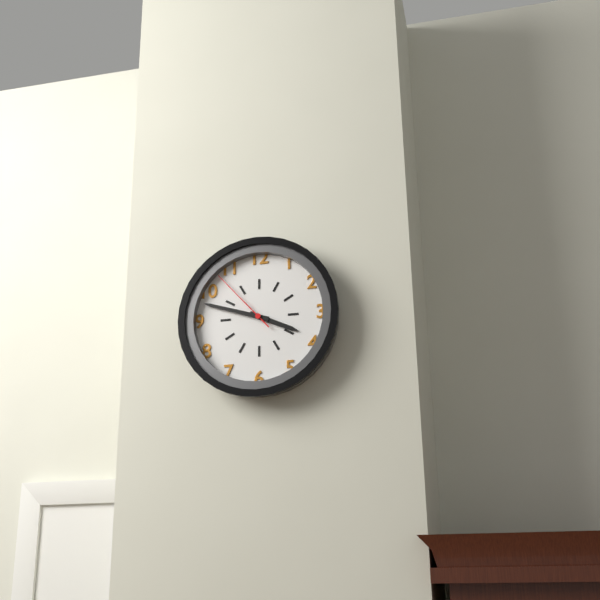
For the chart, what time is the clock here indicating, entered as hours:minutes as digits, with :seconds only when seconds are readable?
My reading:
3:48:53
